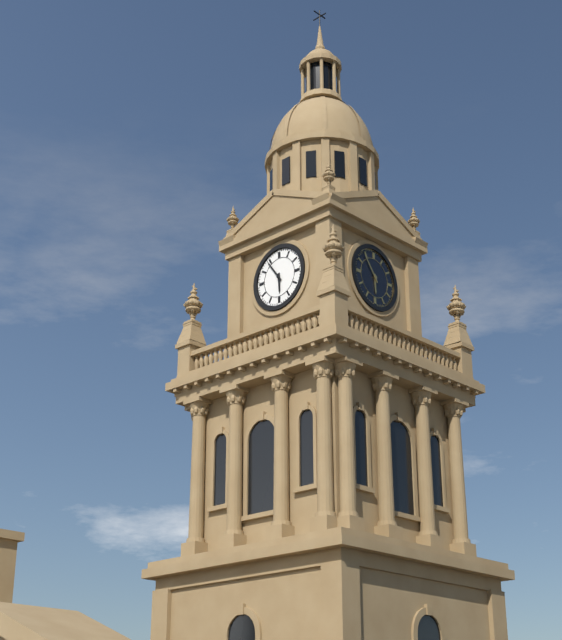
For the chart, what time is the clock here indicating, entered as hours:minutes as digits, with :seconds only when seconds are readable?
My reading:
5:54
